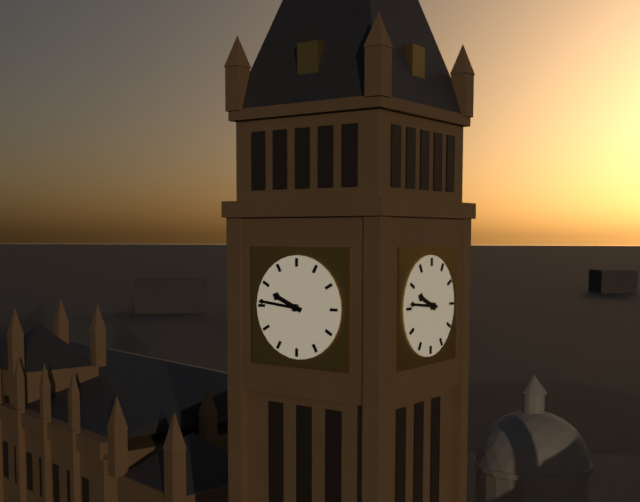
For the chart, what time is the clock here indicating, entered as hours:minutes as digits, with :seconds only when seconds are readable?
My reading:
9:46
